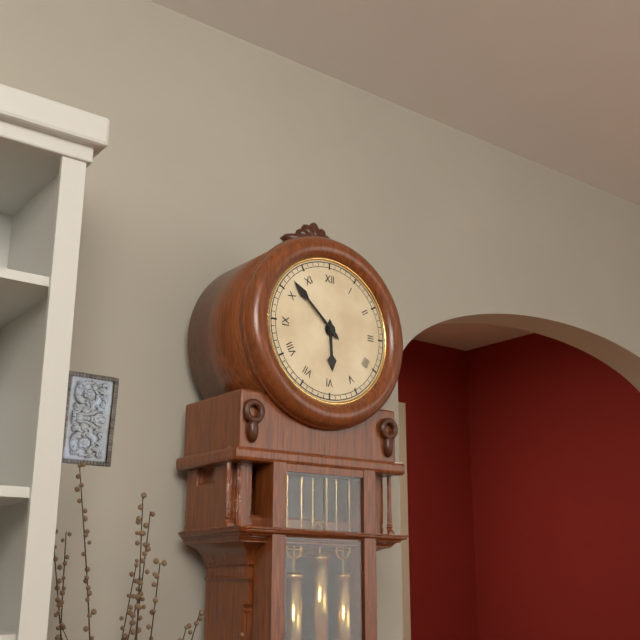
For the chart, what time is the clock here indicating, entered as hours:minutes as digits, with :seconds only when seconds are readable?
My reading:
5:52
